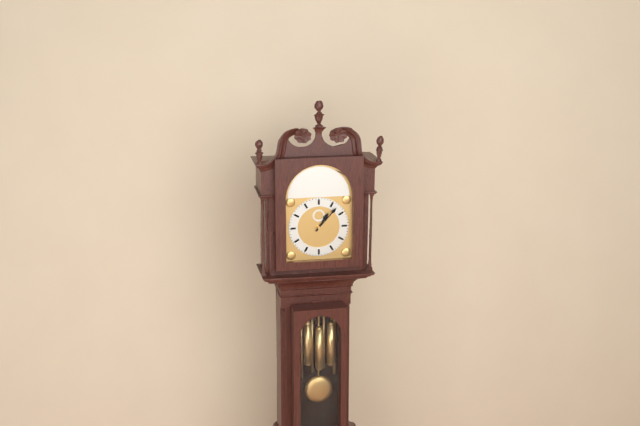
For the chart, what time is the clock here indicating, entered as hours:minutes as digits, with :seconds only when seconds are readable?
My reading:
1:07
